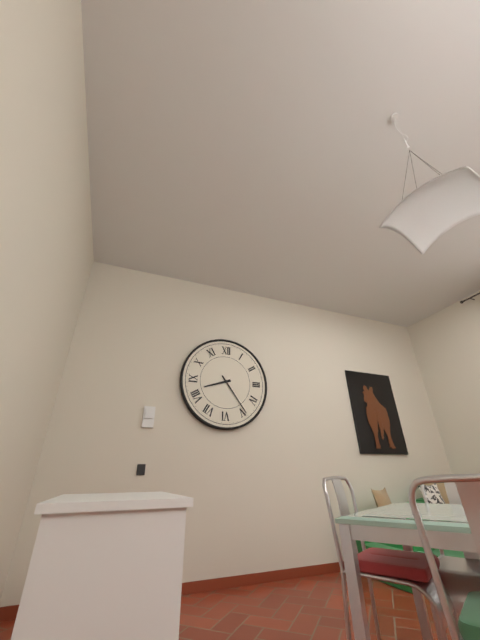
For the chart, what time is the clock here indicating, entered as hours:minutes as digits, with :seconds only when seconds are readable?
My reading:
8:24
